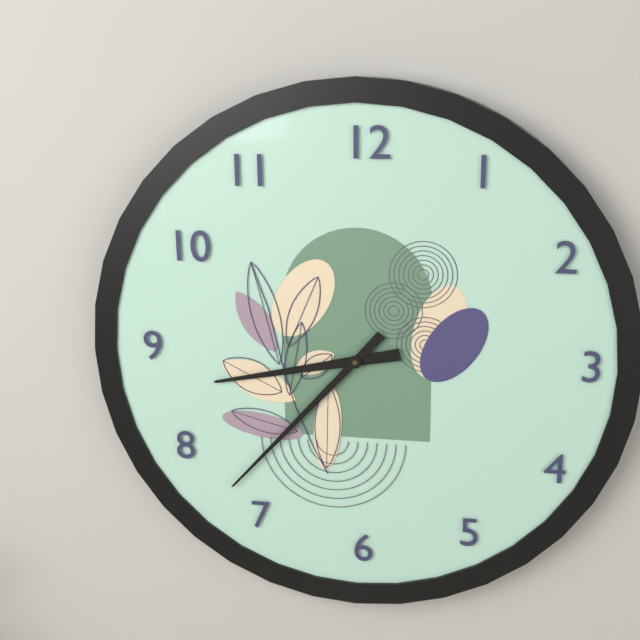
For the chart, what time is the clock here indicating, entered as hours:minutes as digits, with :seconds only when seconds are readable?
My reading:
8:37
